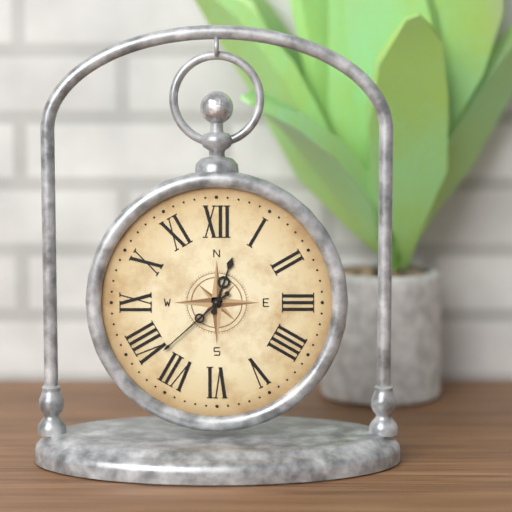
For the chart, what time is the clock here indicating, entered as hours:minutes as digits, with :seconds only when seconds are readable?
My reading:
12:38
